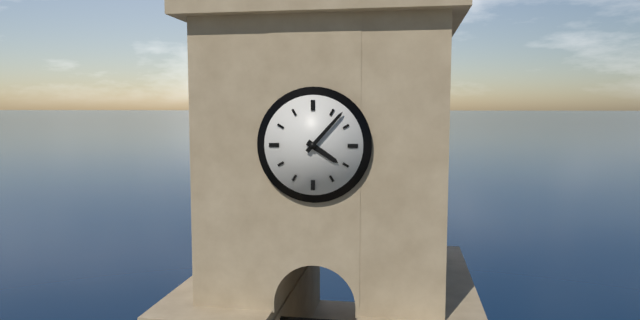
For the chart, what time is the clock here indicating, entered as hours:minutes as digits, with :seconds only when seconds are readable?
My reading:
4:07
